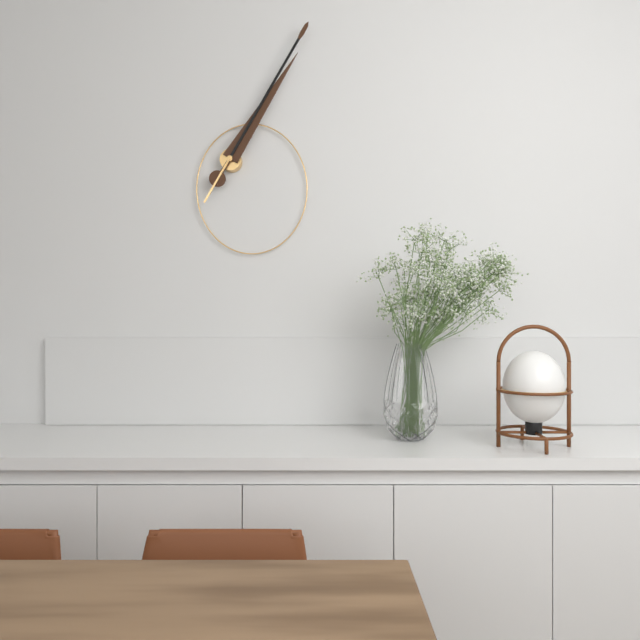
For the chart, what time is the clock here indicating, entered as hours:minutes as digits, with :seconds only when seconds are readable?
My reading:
1:05
